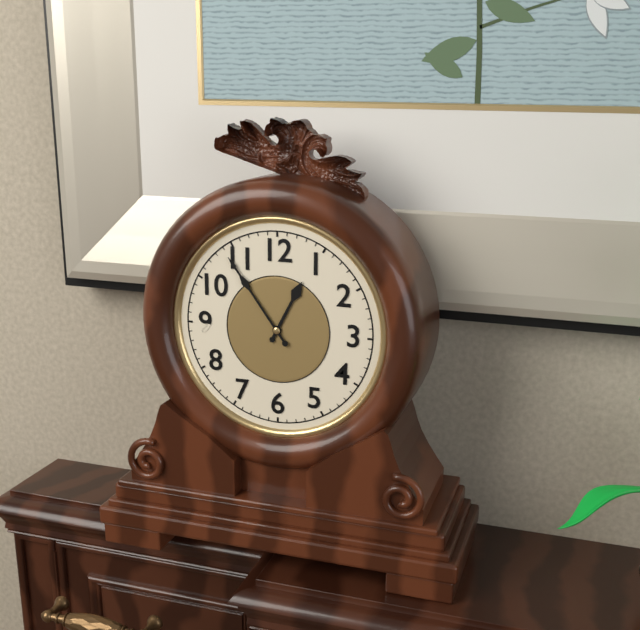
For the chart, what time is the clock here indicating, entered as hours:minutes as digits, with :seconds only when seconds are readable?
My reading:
12:54
